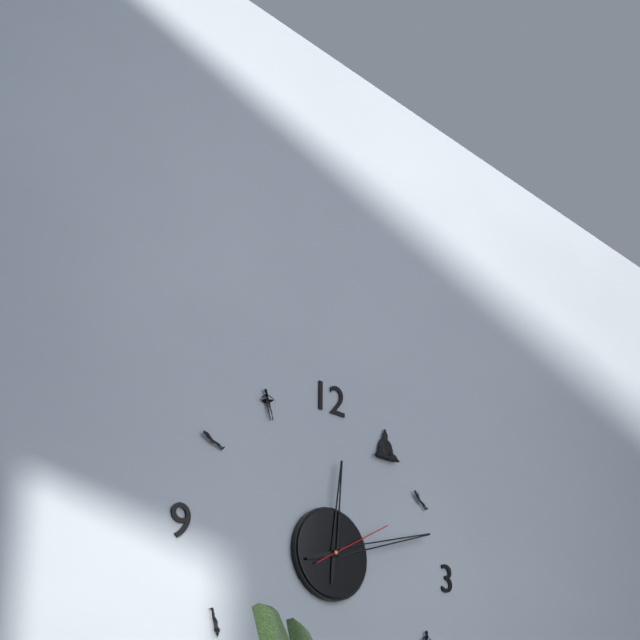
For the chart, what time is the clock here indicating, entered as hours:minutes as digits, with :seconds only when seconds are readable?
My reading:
12:12:10
